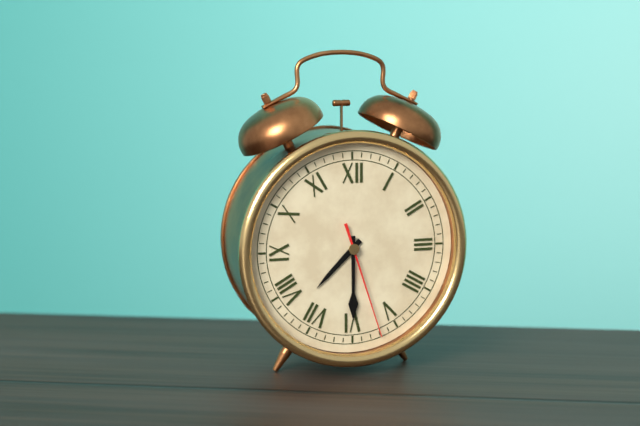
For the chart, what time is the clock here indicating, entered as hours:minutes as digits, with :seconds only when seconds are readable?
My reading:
7:30:27
